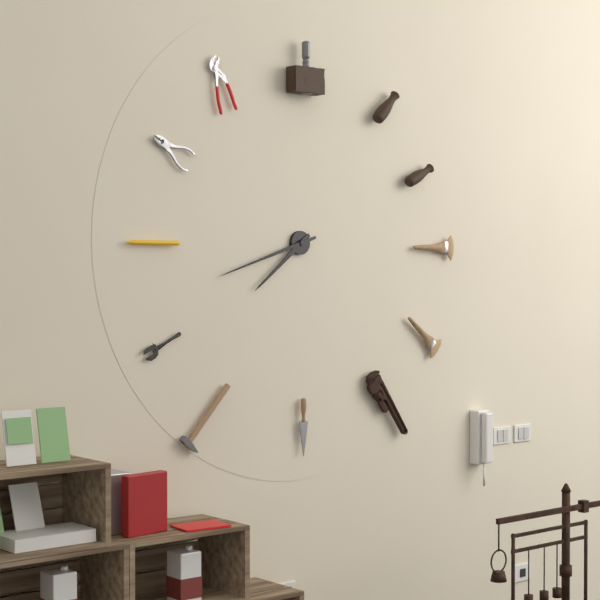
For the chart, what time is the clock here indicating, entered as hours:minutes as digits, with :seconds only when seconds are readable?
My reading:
7:42
